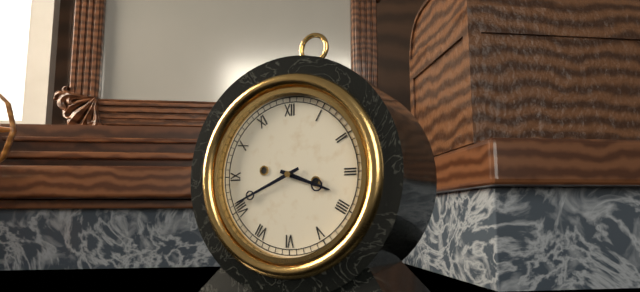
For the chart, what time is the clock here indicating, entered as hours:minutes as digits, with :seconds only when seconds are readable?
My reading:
3:41
